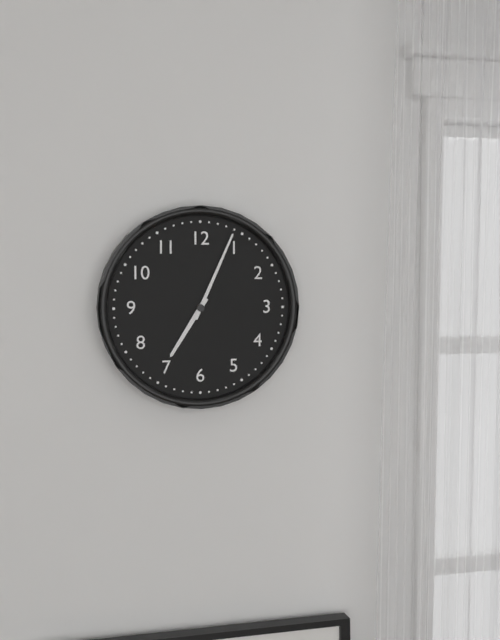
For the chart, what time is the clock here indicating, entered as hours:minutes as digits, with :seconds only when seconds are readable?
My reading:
7:04
